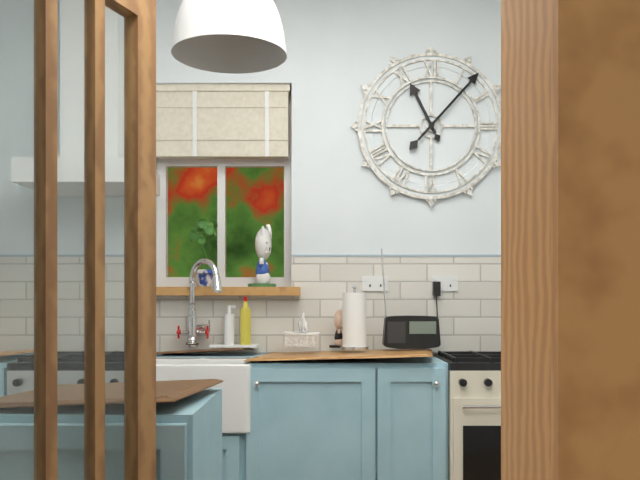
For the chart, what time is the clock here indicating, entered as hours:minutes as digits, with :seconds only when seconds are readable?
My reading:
11:07
